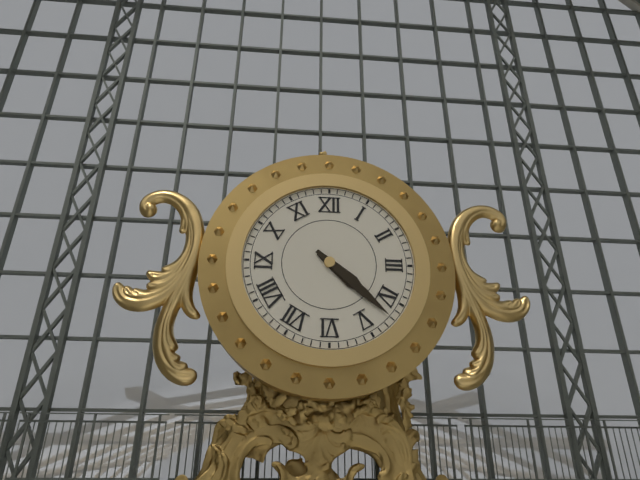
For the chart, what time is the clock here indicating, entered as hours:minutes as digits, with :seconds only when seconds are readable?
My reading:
4:22
